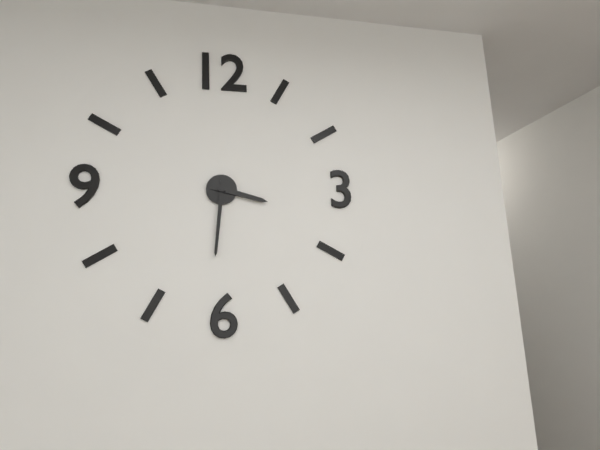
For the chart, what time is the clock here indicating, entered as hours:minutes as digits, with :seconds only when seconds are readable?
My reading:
3:31
